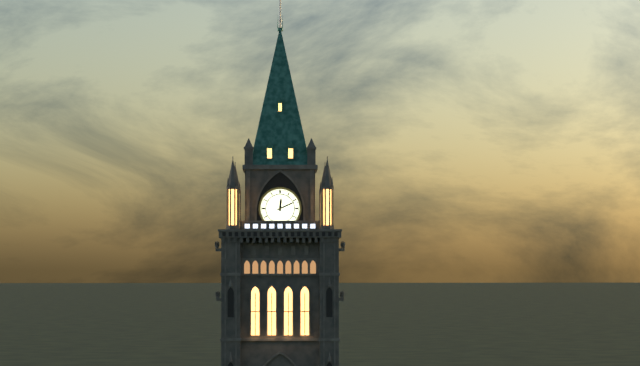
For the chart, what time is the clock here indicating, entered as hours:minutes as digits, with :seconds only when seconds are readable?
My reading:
12:11
